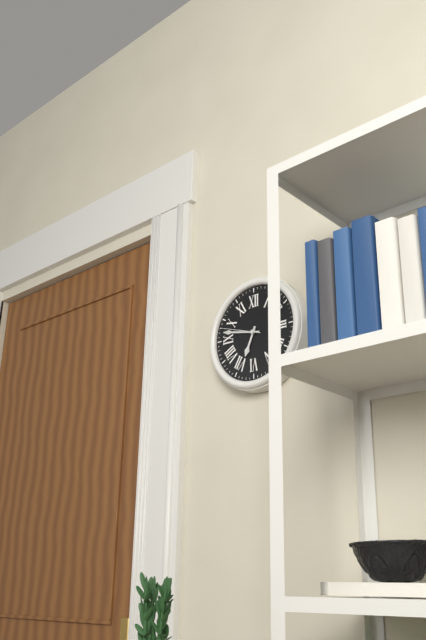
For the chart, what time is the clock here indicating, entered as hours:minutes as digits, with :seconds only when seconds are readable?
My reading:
6:47
